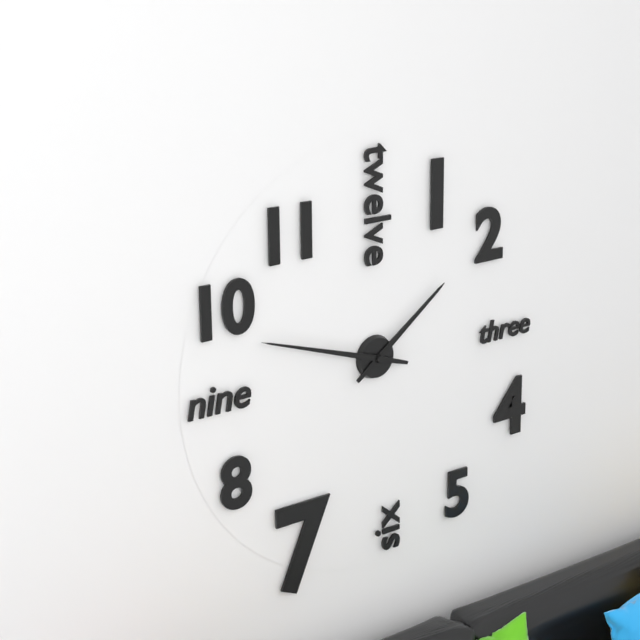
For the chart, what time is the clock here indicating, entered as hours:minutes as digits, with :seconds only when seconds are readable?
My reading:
1:48
